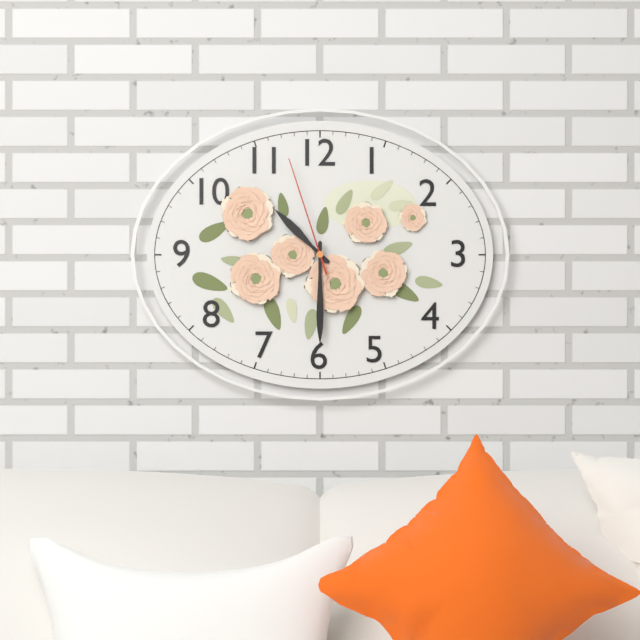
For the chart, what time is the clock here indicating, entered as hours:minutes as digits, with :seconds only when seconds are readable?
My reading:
10:30:57
